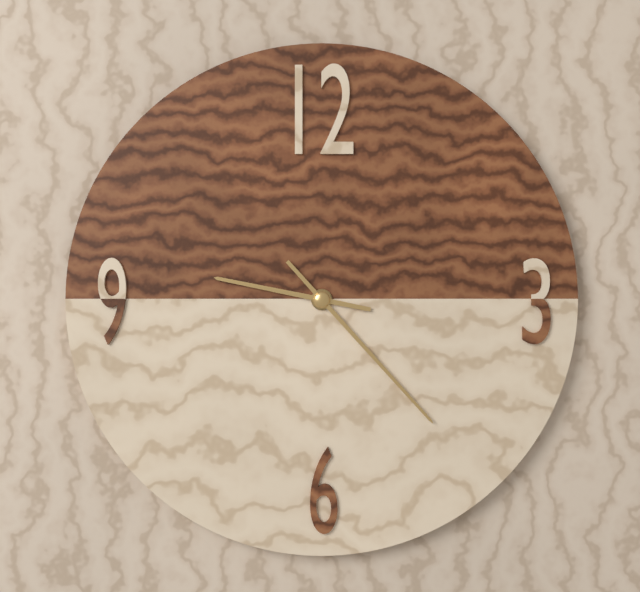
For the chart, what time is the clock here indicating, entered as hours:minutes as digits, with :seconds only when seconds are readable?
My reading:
9:23
